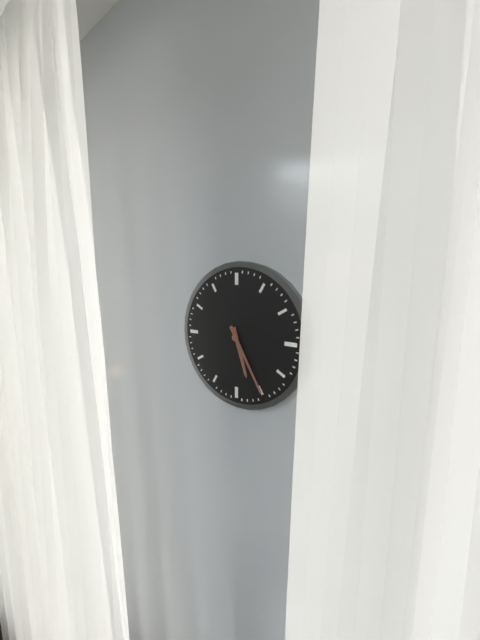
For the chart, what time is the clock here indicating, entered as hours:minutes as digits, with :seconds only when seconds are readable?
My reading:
5:25
